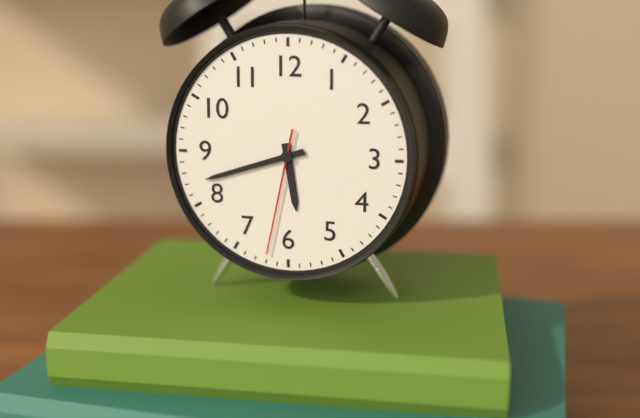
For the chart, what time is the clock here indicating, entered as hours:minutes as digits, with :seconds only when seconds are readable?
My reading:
5:42:32
